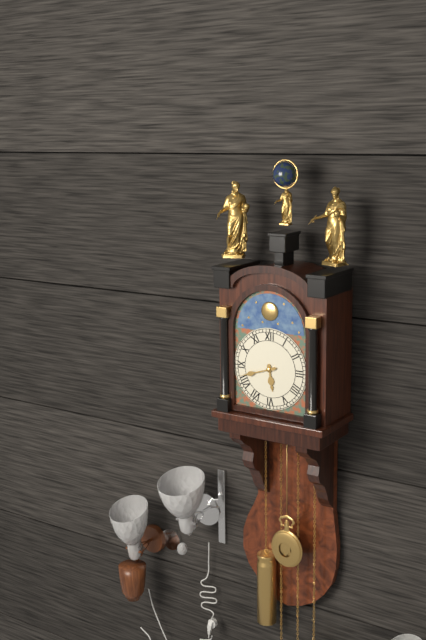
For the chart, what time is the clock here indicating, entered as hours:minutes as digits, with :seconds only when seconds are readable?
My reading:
5:42
